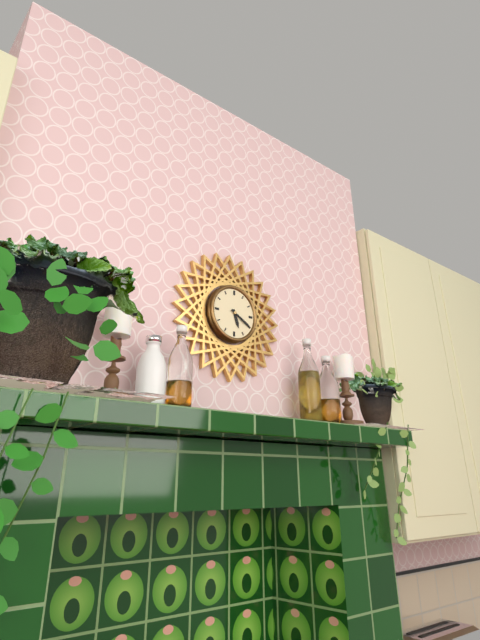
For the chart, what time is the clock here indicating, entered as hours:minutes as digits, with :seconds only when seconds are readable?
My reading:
5:20
